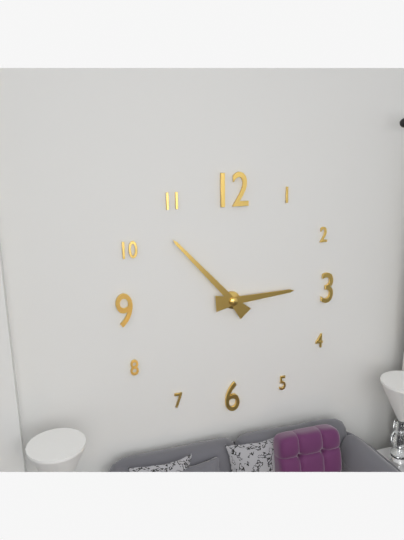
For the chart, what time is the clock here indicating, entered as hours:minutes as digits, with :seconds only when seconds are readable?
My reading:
2:53
